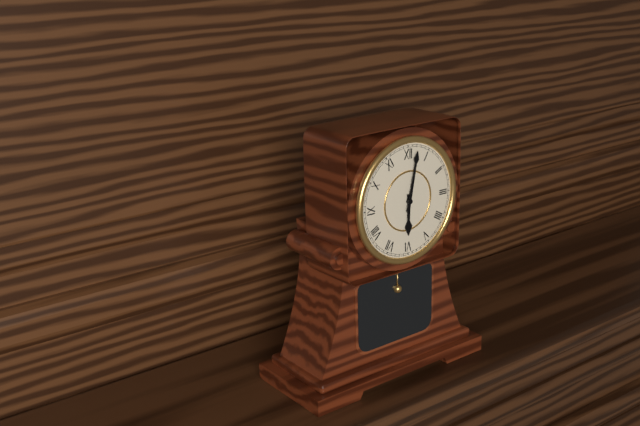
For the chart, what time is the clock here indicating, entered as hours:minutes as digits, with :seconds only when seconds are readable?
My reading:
6:02
